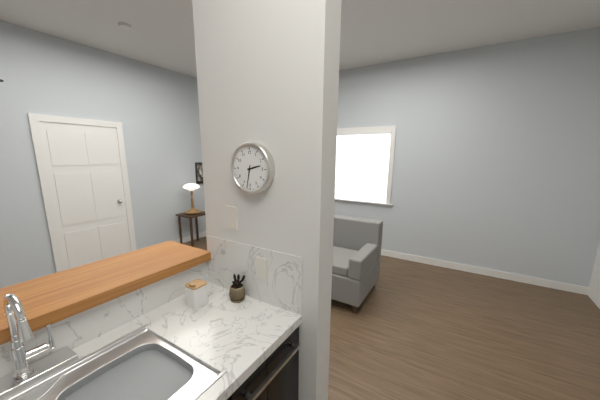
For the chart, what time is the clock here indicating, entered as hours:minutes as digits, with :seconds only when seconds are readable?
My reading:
2:32
